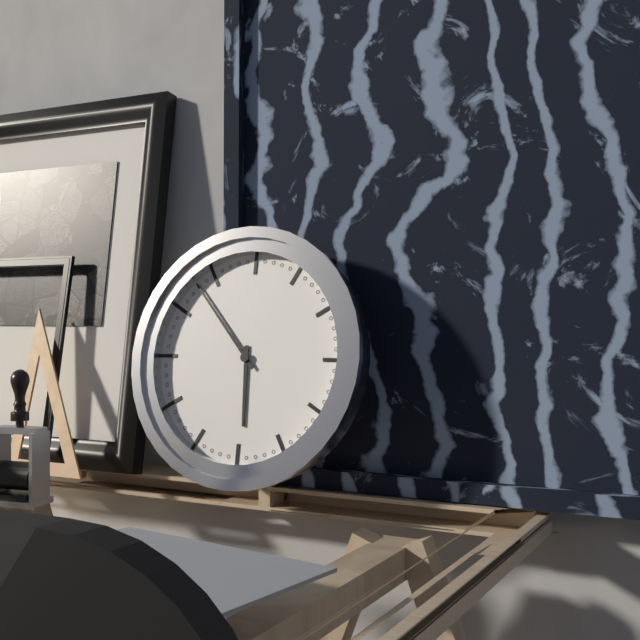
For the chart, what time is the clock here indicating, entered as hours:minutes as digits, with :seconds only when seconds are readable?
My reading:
5:53
